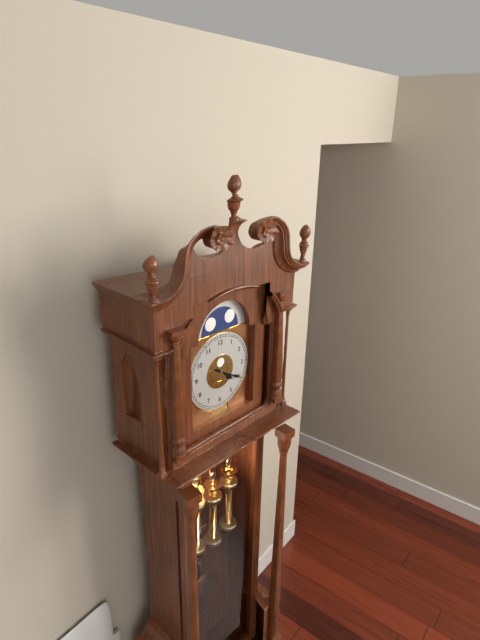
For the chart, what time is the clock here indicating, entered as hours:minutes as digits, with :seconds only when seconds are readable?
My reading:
4:20
